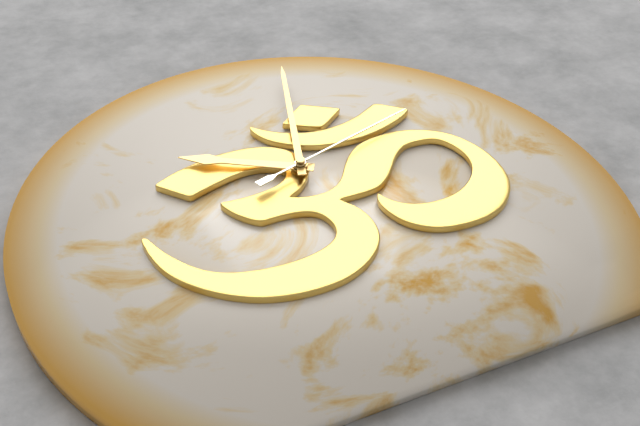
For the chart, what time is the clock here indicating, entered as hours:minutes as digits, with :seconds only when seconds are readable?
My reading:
10:03:12
